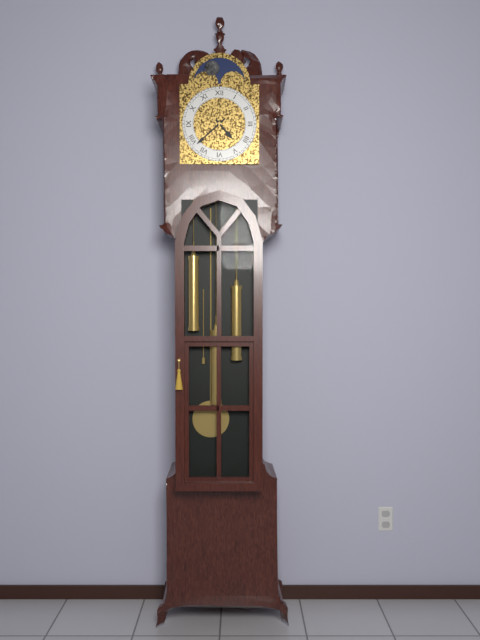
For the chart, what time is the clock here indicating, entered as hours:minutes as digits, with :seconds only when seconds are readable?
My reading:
4:38
